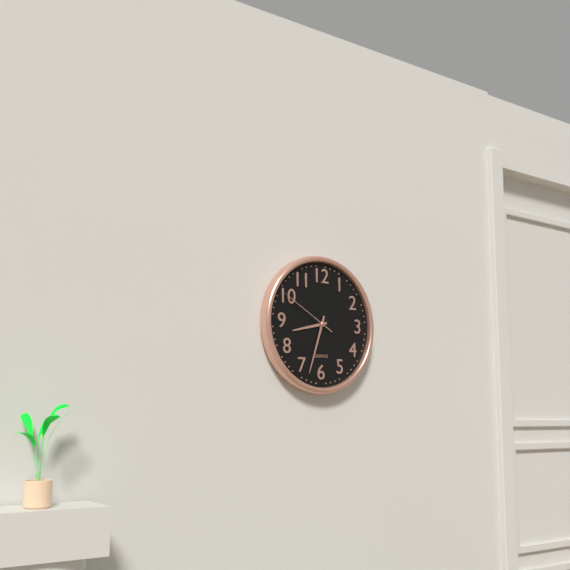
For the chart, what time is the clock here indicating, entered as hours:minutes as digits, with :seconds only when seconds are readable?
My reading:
8:33:50
